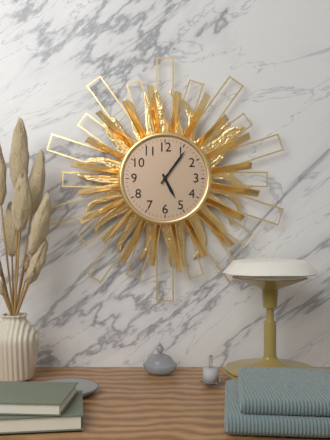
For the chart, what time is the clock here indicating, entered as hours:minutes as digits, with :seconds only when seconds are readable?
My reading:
5:06
